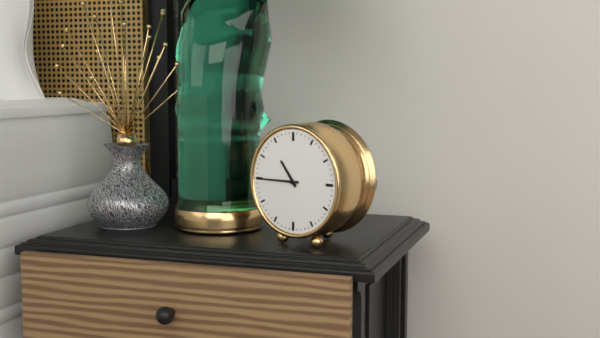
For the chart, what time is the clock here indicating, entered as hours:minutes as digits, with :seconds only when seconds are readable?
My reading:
10:45
